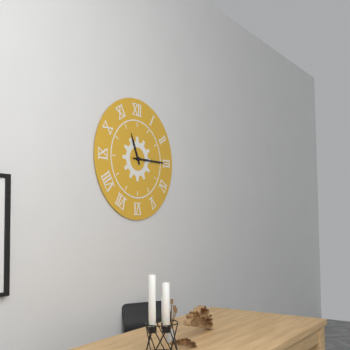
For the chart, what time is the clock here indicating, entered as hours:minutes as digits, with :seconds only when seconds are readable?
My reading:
11:15
